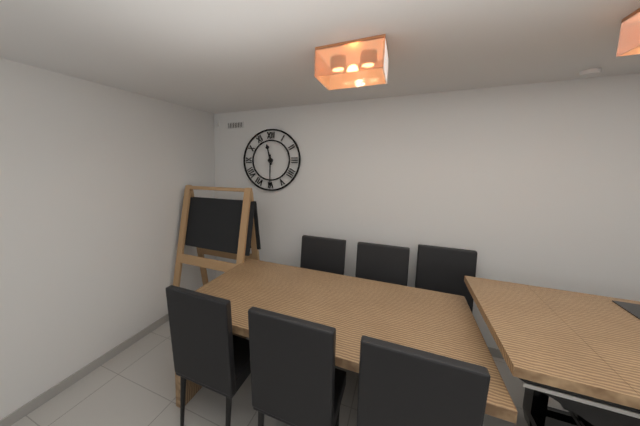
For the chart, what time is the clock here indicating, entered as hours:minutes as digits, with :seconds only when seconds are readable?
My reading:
11:30
